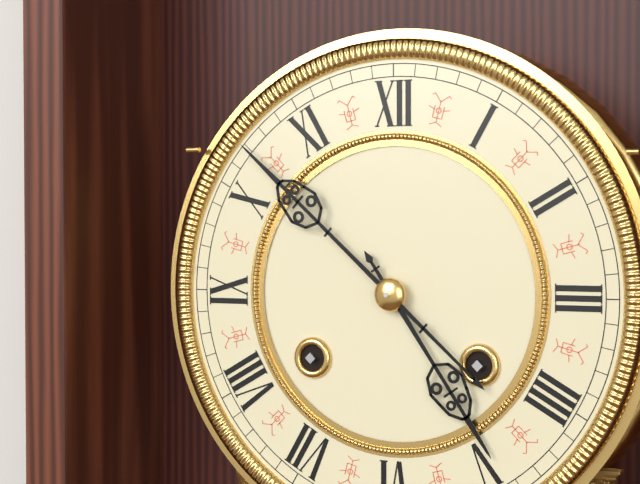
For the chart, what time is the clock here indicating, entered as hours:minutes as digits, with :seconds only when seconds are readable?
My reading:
4:52
